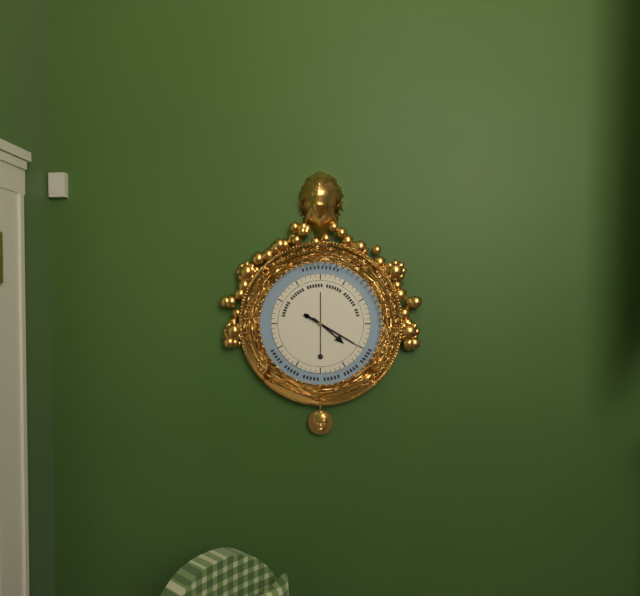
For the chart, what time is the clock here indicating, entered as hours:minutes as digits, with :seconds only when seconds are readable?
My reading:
4:20
